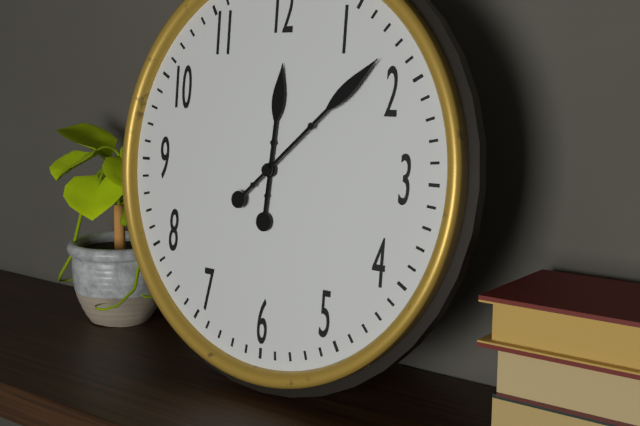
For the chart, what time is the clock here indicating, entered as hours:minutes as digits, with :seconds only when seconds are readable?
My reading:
12:08
